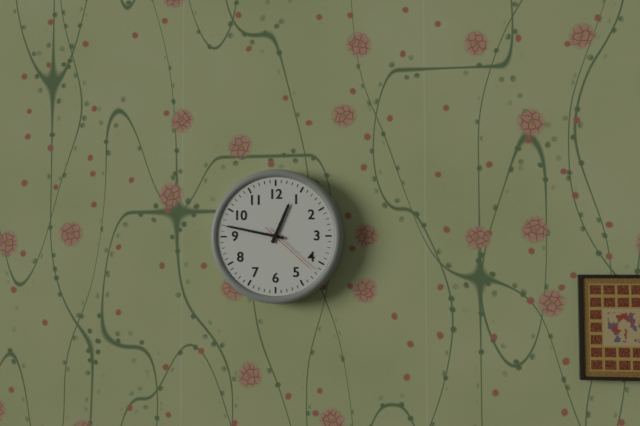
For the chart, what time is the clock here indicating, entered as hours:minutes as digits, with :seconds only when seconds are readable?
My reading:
12:47:22
